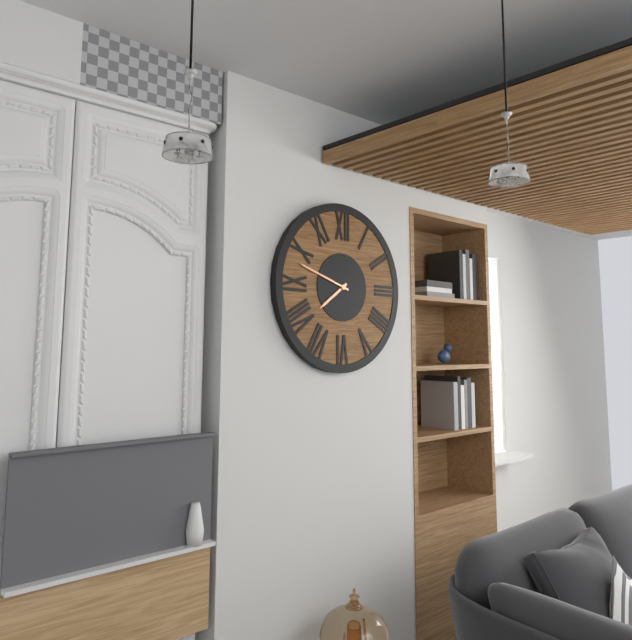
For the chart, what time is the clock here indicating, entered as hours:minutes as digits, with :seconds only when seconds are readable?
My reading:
7:48
